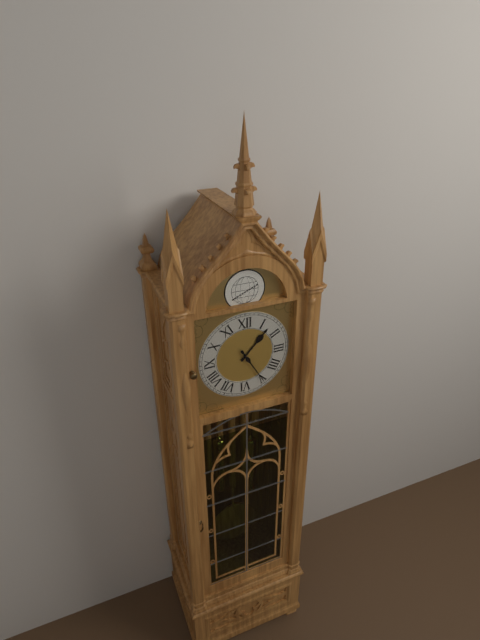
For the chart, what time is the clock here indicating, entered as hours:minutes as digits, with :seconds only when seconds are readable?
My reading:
1:25
